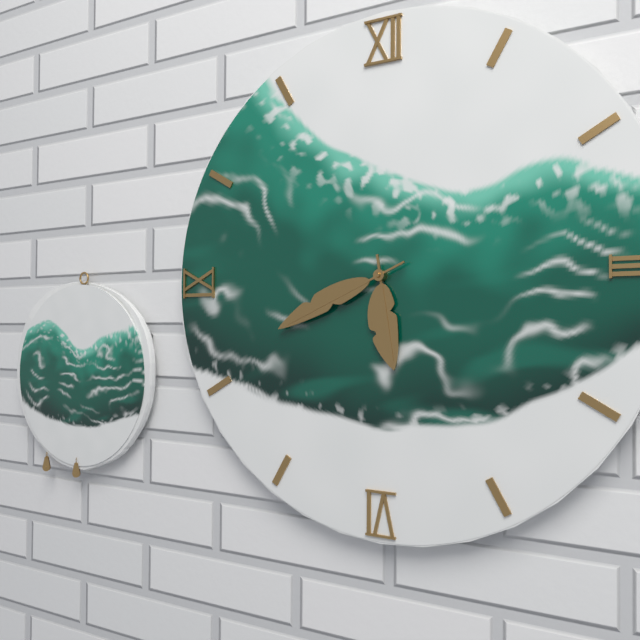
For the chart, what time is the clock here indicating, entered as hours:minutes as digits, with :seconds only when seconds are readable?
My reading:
5:41
